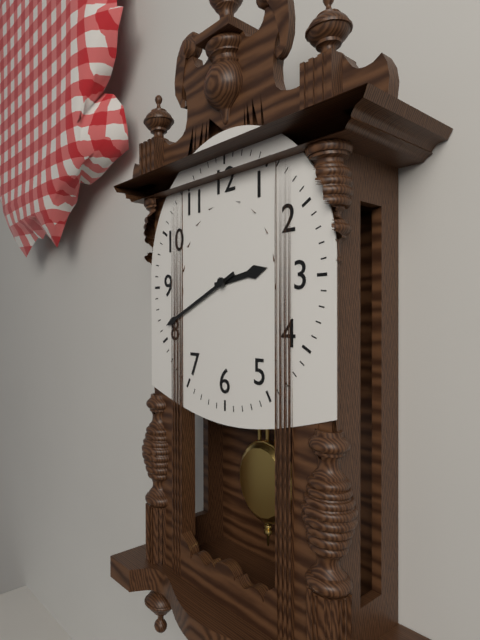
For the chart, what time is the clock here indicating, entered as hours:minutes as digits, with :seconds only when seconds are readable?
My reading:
2:41
